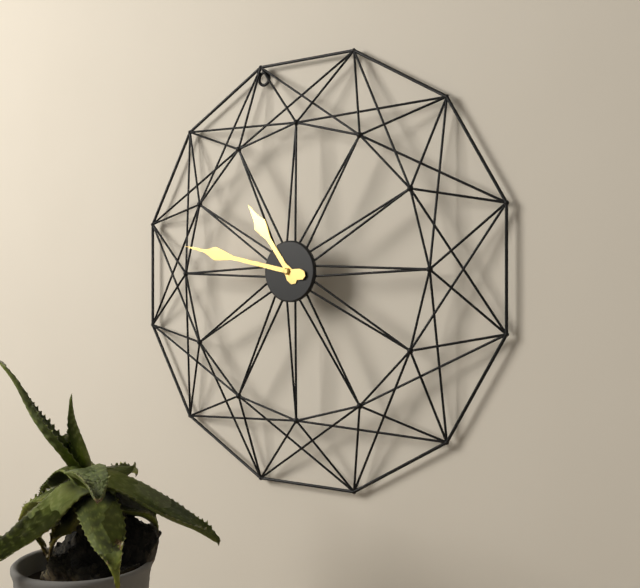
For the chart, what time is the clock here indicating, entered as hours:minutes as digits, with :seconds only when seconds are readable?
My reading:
10:47
